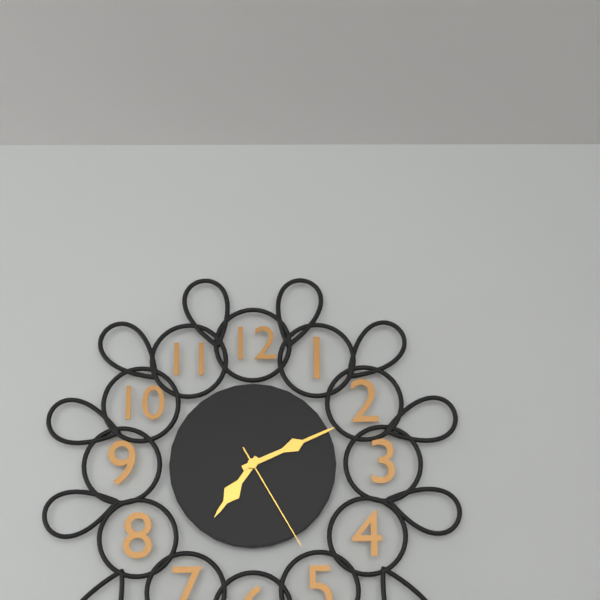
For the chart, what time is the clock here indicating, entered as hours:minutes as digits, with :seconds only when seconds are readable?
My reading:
7:11:25
